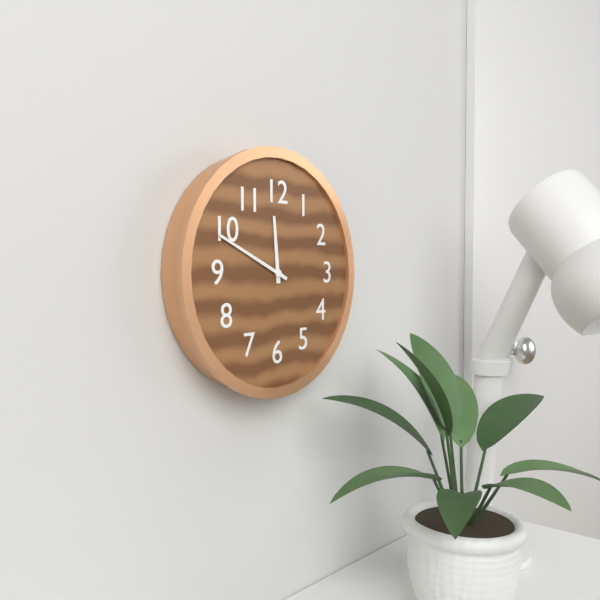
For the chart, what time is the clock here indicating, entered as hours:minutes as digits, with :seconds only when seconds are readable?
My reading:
11:49
